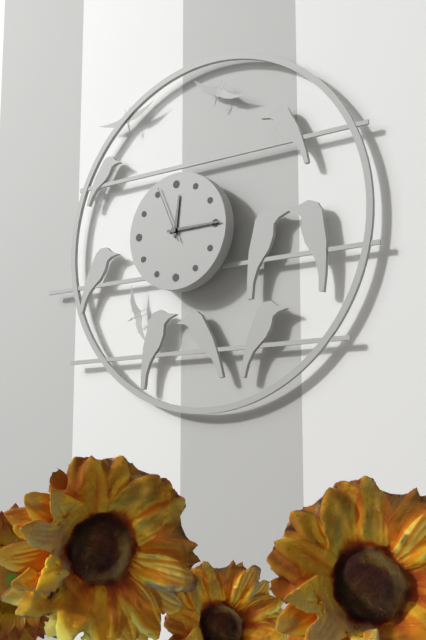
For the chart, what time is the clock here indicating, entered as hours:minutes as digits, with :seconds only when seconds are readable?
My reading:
12:15:56
